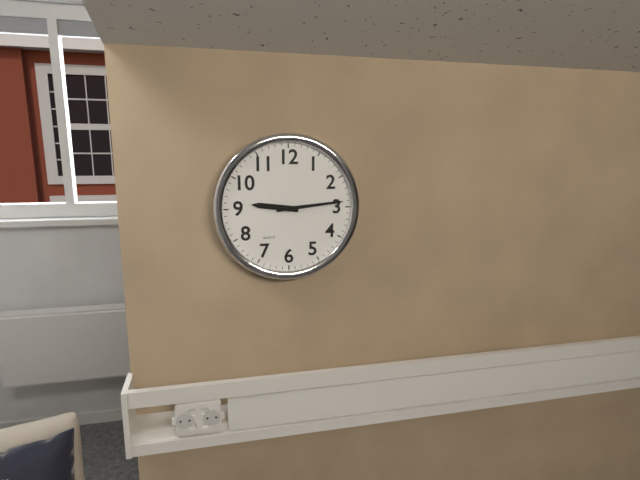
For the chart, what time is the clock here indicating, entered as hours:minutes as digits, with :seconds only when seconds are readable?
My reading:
9:14
